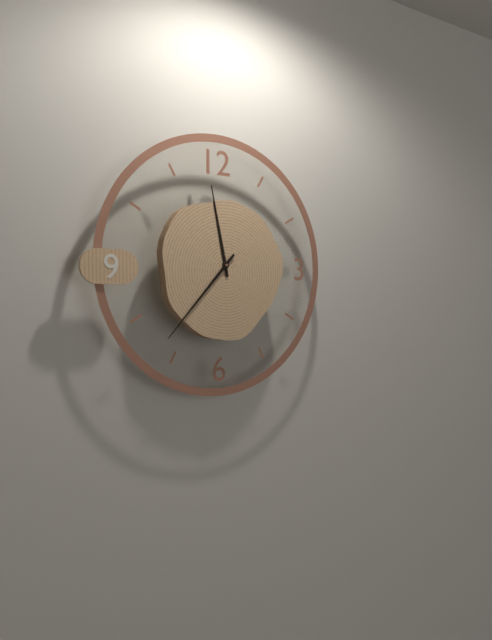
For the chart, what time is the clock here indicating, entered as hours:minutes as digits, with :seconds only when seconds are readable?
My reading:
11:37
